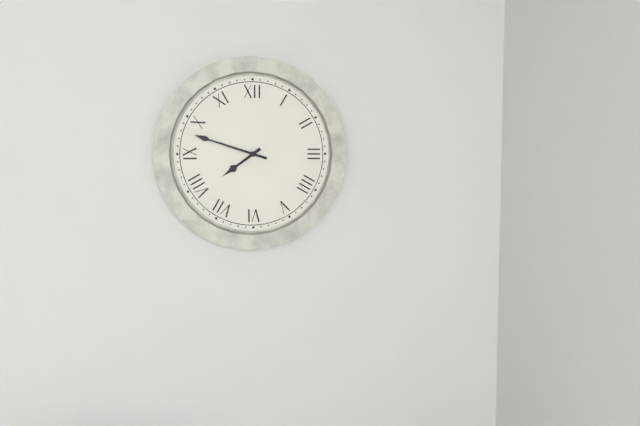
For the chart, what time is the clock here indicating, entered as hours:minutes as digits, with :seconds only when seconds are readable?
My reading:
7:48
